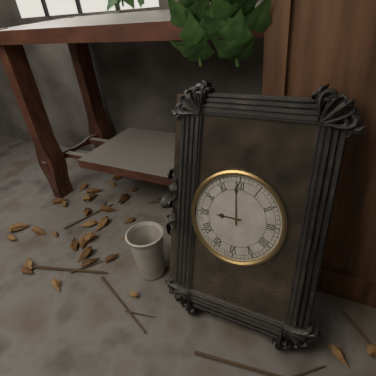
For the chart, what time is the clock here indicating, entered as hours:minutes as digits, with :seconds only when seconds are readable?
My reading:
8:59
